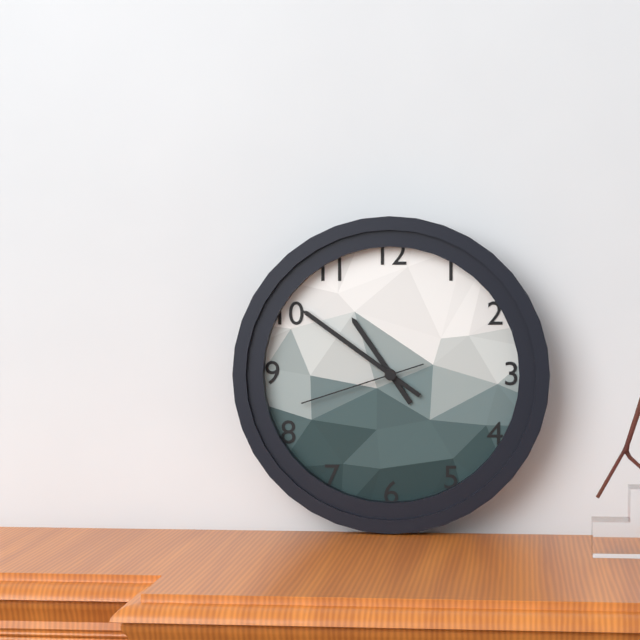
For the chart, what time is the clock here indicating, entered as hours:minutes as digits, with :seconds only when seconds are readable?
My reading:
10:51:42
